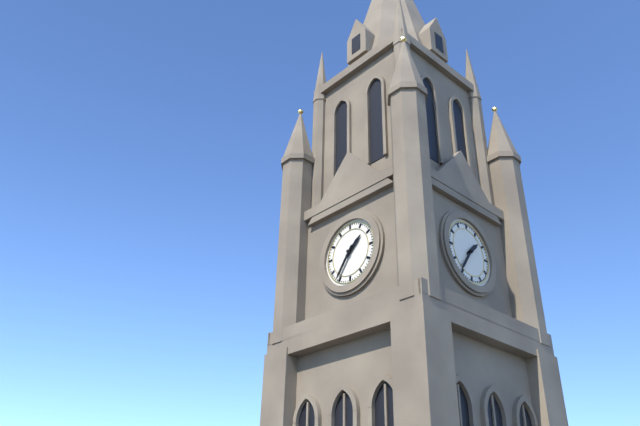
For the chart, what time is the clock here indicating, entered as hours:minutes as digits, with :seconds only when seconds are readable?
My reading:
1:36
